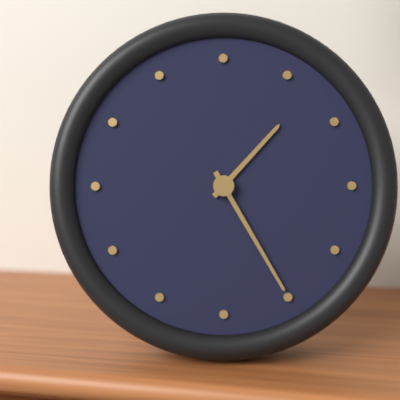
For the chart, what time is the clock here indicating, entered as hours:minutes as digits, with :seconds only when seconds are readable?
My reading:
1:25
